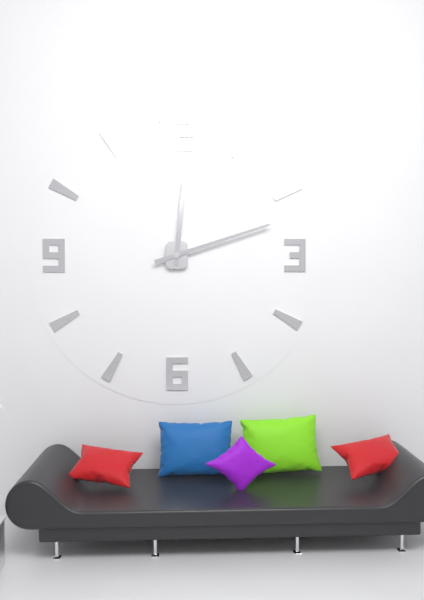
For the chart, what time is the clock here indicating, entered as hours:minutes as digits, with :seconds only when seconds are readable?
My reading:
12:12
